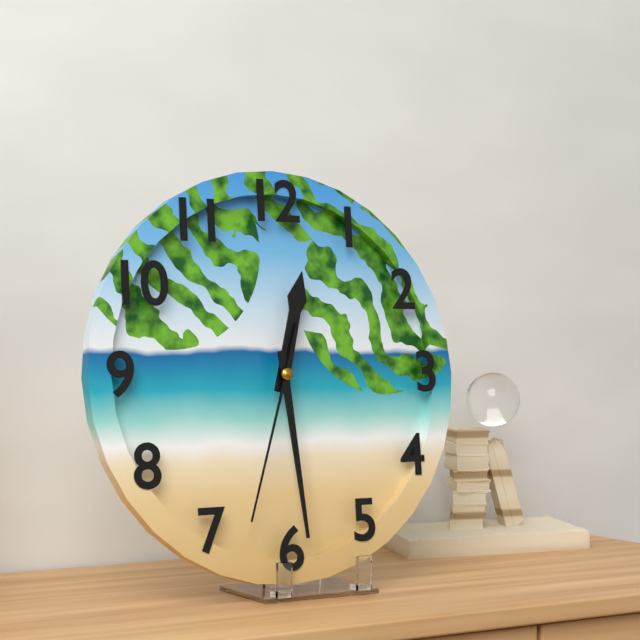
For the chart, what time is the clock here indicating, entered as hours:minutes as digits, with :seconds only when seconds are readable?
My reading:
12:29:33
